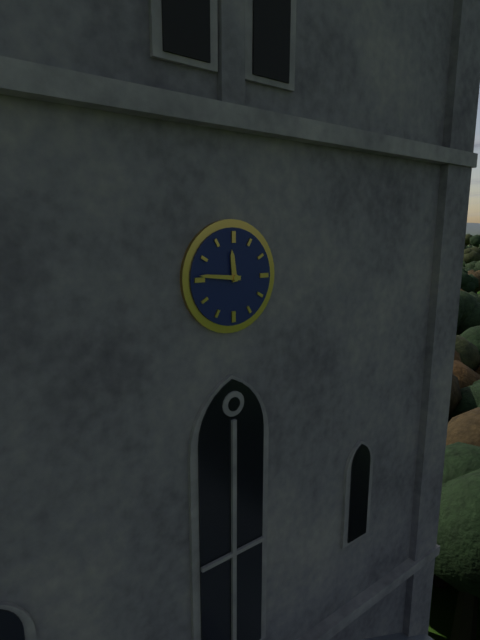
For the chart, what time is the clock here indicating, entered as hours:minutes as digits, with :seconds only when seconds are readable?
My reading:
11:46
